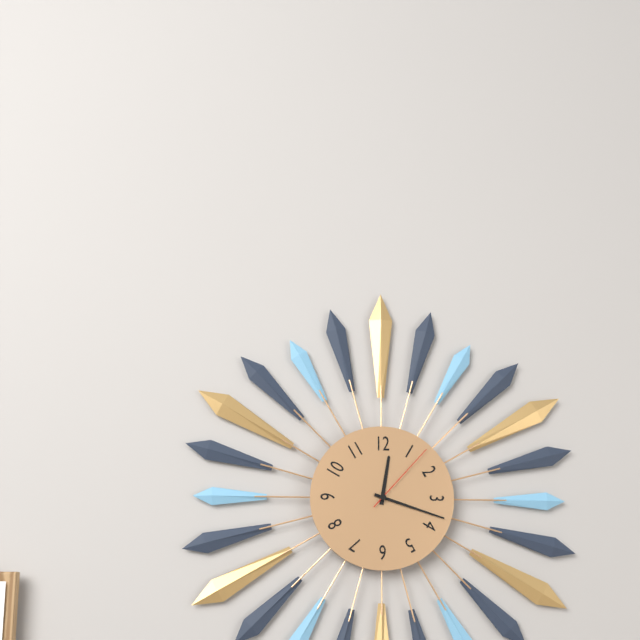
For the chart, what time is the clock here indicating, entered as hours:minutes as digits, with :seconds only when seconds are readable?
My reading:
12:18:07
